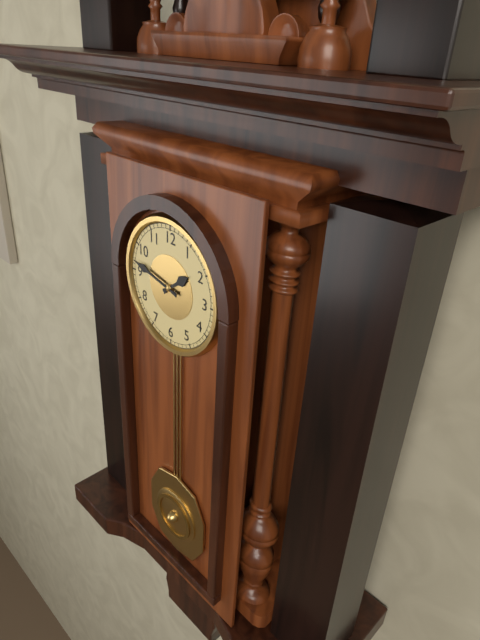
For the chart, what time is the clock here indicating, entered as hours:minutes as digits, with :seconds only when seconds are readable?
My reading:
1:47
